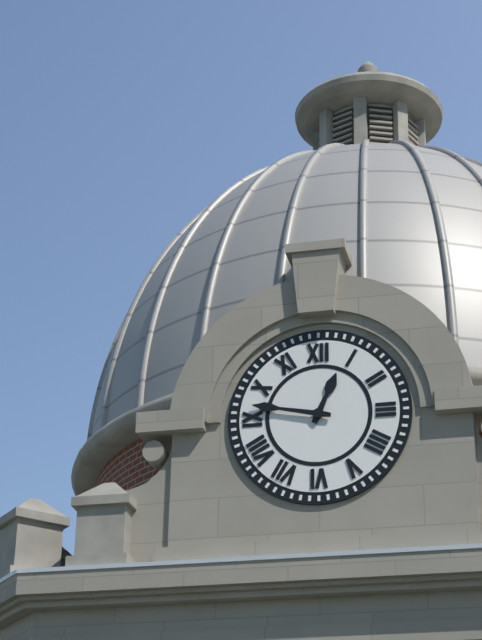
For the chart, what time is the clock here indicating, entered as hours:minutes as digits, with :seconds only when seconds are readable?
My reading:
12:47
